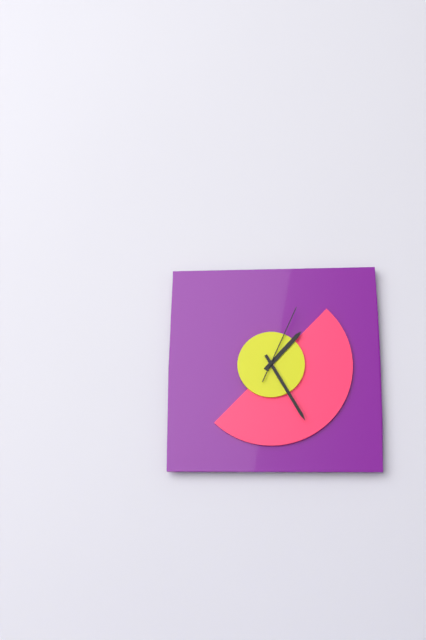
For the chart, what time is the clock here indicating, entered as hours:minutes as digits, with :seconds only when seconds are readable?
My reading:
1:25:04
